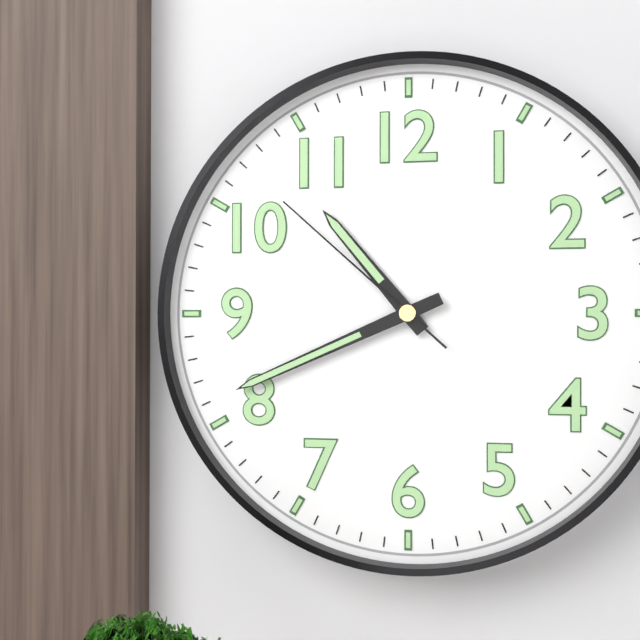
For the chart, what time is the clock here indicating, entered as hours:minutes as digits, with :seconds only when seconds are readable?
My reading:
10:41:52
